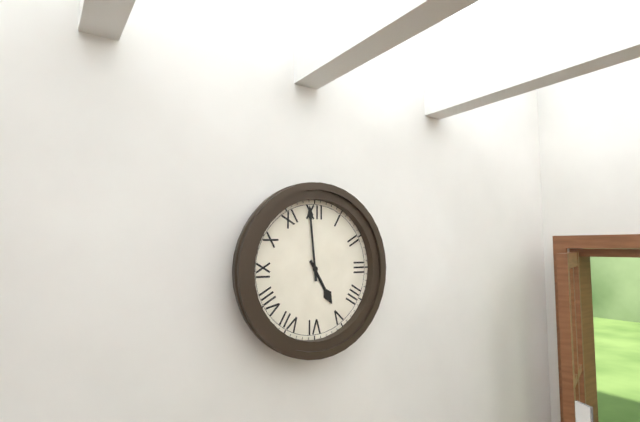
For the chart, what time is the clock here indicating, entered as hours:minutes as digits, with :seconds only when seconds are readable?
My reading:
4:59
